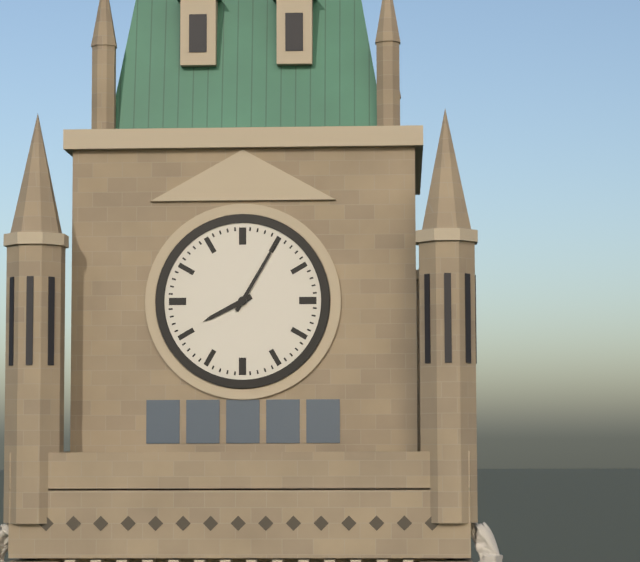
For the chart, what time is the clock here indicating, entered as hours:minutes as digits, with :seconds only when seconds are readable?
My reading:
8:05
